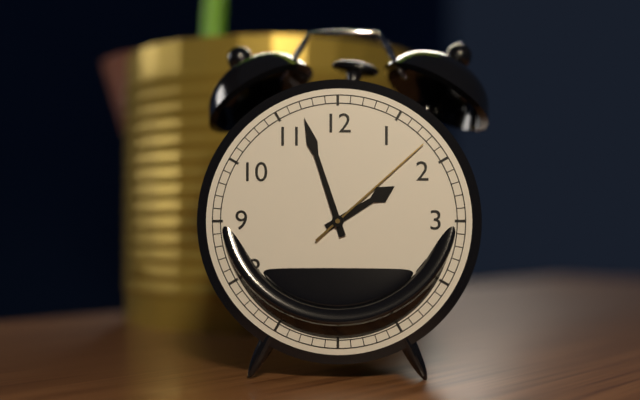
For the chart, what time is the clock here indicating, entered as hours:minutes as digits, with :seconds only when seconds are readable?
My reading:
1:57:08
